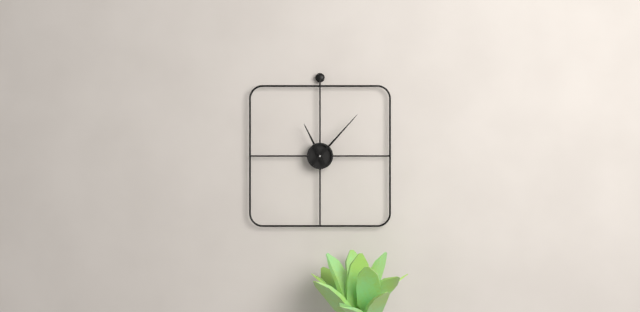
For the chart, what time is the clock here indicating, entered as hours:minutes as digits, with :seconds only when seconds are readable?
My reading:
11:07
